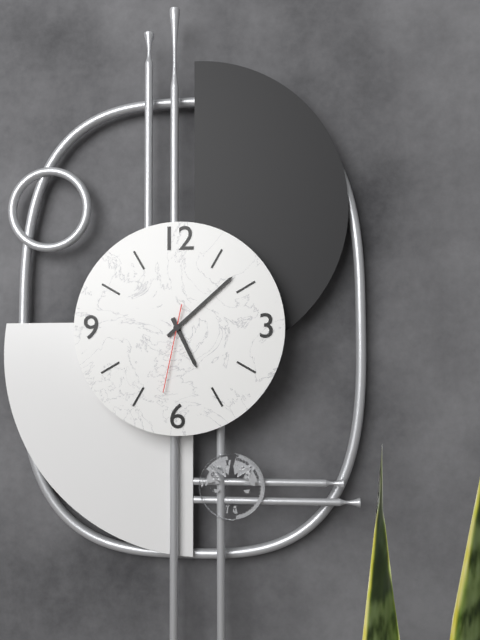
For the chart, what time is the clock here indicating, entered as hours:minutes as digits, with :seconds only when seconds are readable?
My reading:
5:08:32
